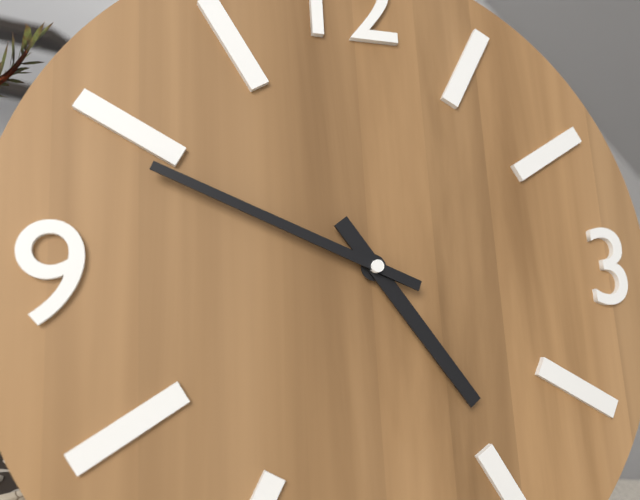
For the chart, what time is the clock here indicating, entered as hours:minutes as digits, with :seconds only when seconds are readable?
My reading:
4:49
